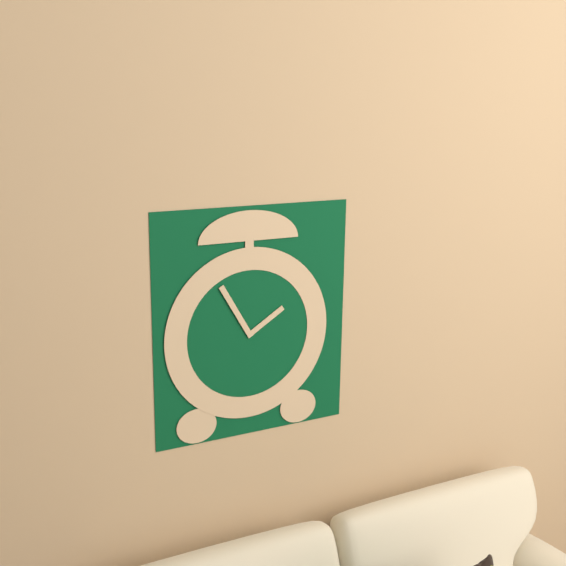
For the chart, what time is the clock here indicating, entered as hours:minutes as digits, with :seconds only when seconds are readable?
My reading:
1:55
